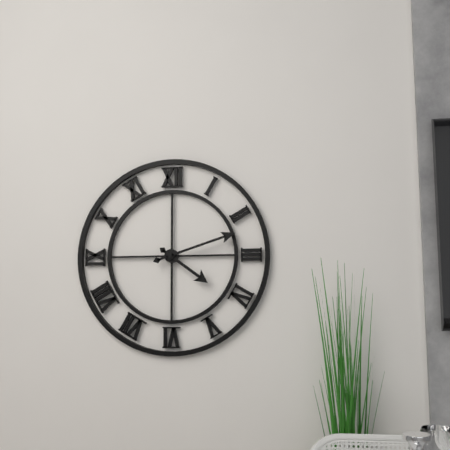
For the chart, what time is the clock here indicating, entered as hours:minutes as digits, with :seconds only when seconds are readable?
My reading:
4:12
